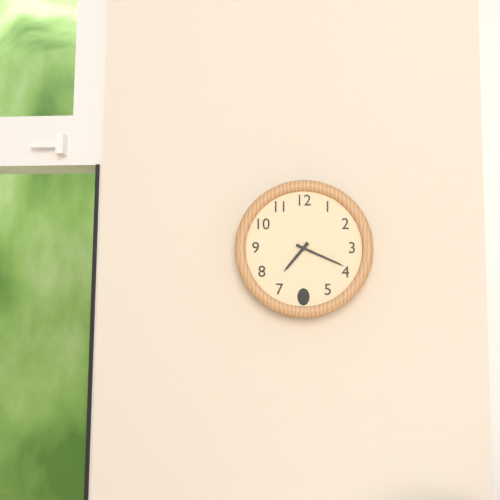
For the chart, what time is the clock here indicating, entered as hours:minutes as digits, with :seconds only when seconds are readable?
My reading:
7:19
